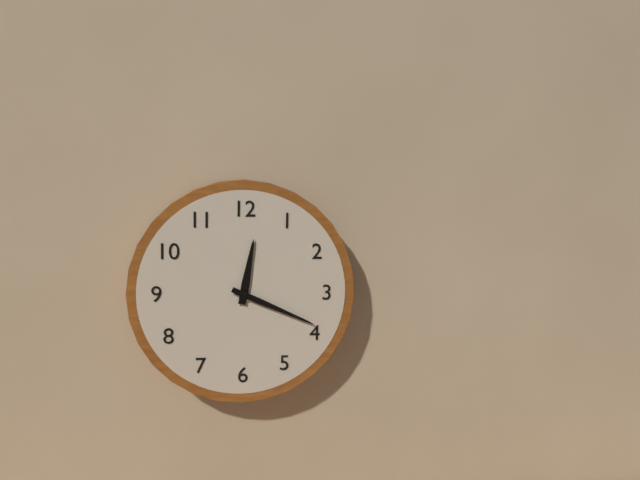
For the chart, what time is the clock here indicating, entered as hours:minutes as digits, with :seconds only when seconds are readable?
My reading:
12:19
